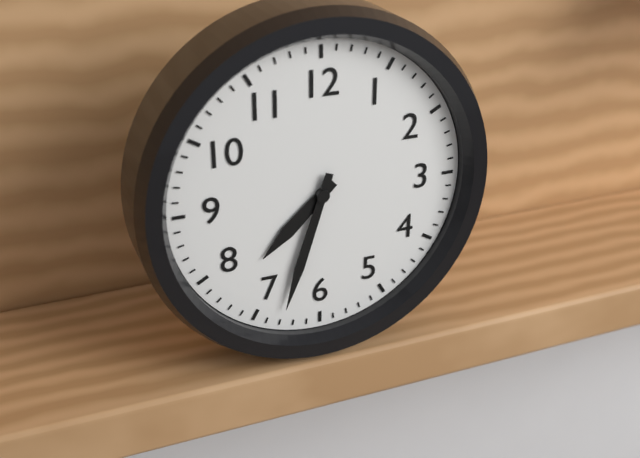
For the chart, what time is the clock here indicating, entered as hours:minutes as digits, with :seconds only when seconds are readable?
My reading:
7:33
